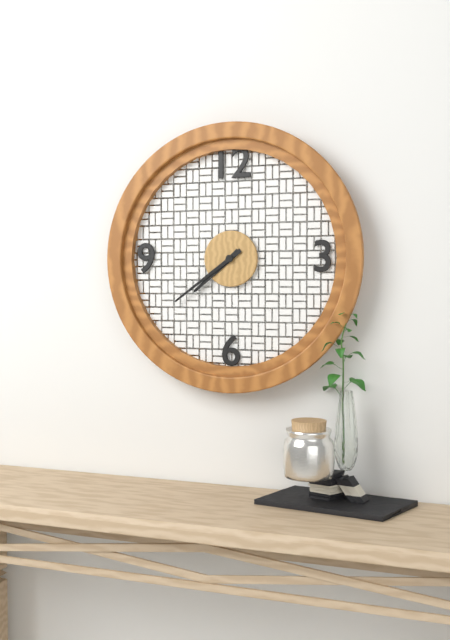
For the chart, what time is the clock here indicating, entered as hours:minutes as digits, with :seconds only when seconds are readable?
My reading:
7:39
